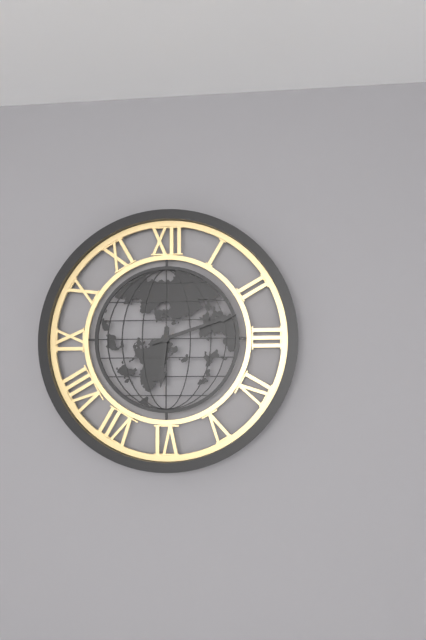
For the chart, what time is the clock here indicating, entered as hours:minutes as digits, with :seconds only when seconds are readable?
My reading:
6:12
